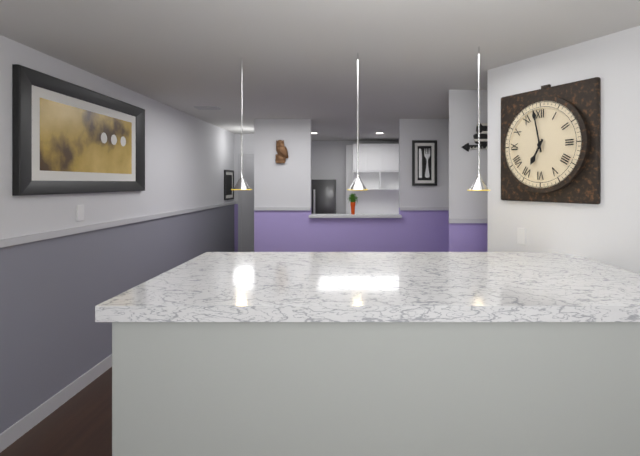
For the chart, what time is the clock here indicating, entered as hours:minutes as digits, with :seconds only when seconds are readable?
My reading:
6:58
